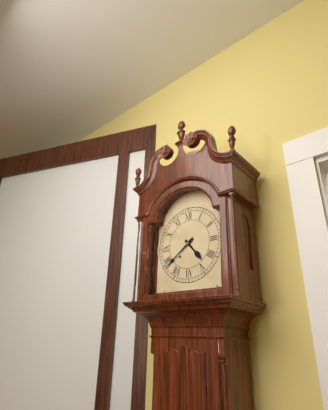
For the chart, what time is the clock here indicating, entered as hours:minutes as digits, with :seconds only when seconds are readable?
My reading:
4:39
